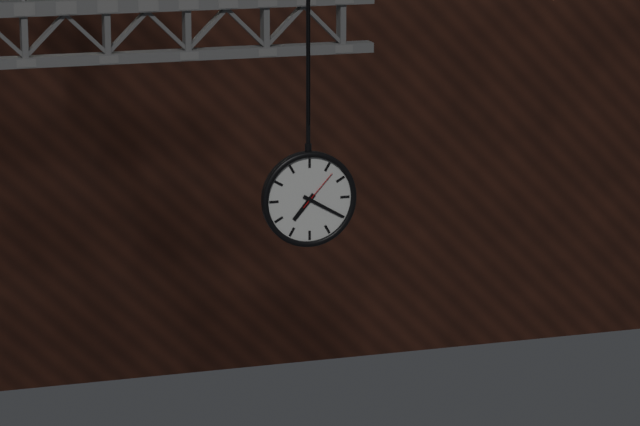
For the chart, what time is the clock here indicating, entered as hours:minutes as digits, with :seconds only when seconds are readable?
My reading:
7:20
